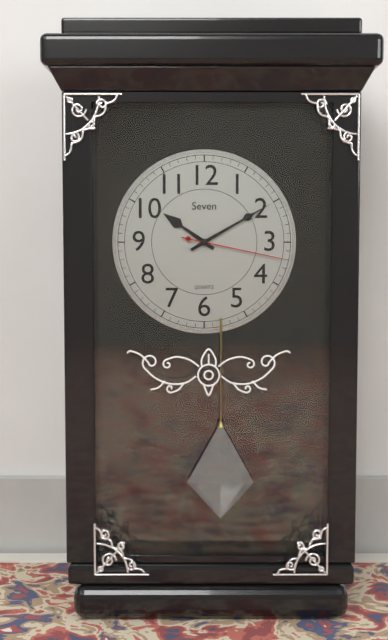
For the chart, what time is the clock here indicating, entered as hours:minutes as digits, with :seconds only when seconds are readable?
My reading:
10:10:17
